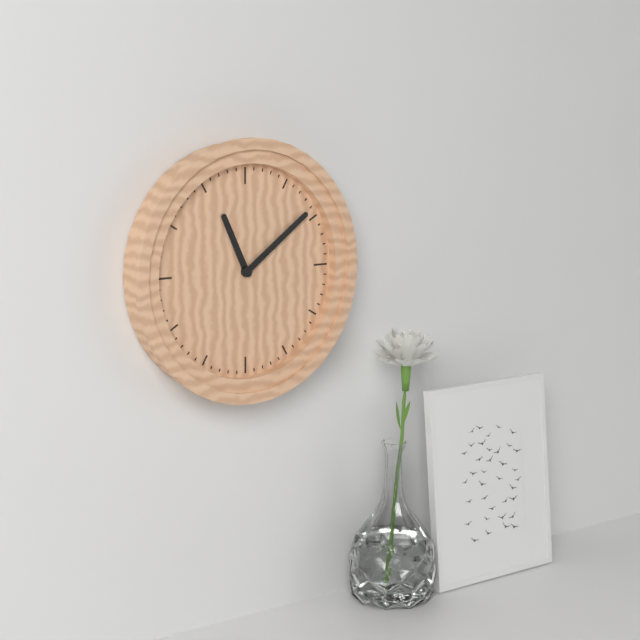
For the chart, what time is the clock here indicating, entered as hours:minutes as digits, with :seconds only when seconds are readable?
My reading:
11:09
